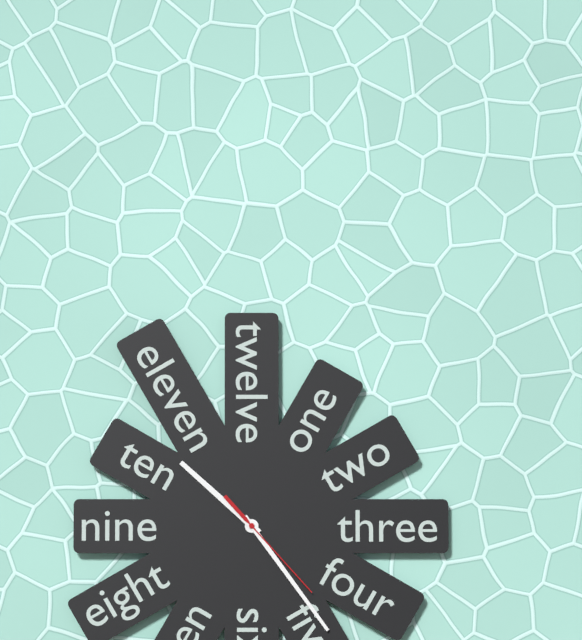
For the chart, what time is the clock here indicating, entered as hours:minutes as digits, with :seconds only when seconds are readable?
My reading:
10:24:23
